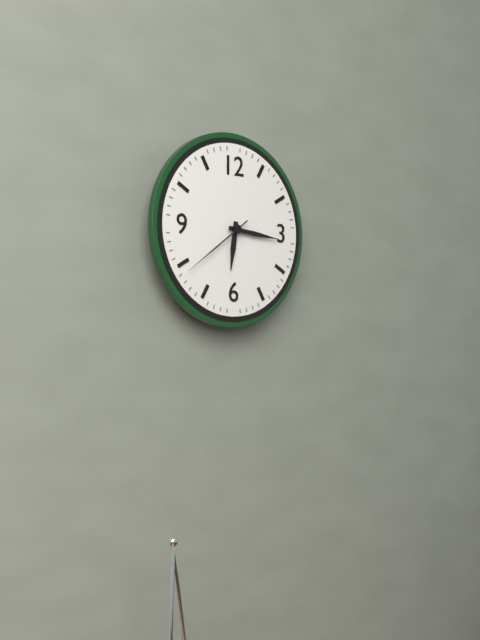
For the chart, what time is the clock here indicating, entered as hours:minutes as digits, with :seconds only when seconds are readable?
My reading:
6:16:39
